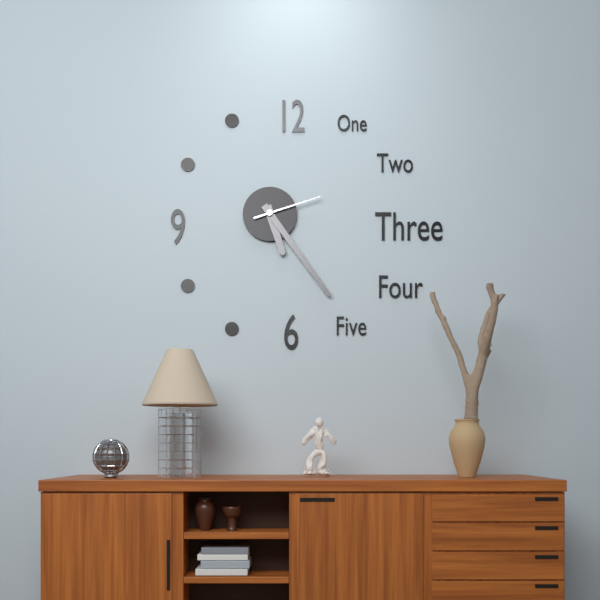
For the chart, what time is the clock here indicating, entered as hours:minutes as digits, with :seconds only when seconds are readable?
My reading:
5:24:12
